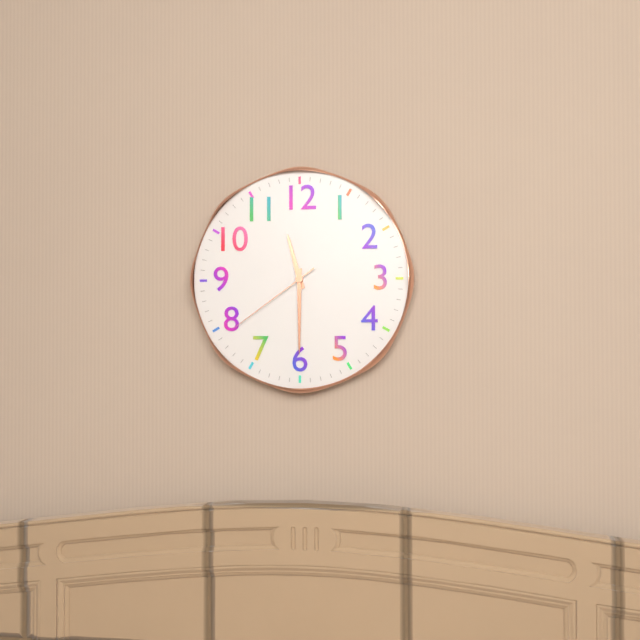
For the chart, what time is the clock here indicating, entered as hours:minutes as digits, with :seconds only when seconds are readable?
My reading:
11:30:39
